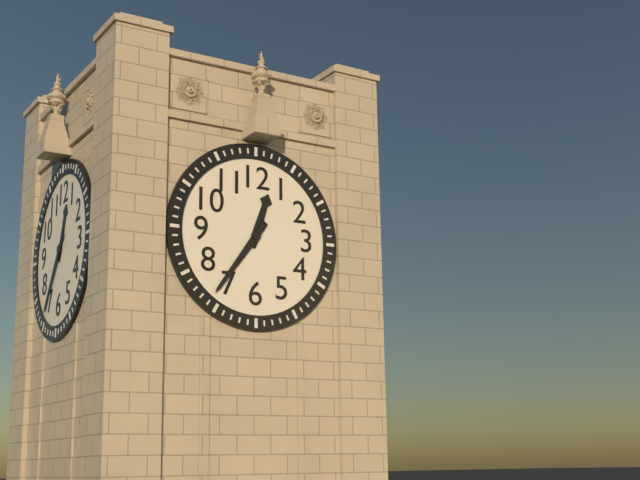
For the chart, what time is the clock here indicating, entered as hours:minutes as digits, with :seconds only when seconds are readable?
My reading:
12:36
